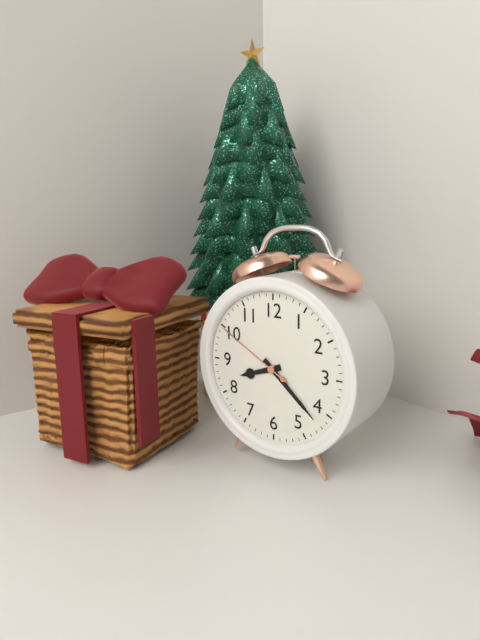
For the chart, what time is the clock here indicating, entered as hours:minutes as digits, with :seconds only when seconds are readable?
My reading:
8:22:50
